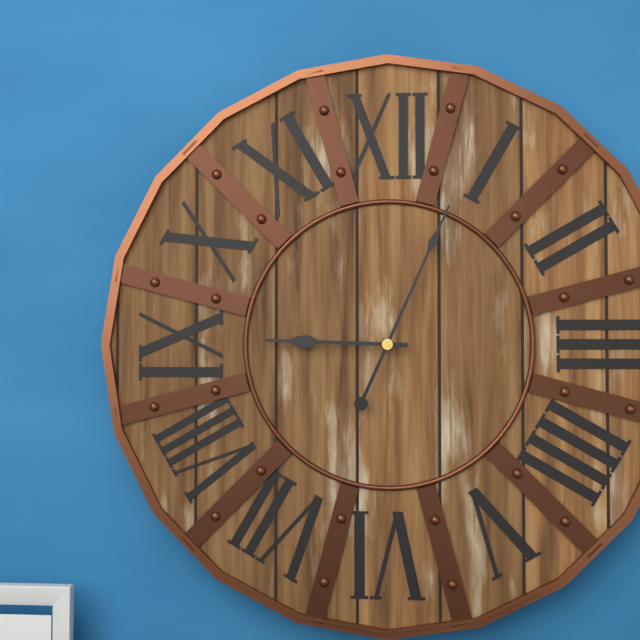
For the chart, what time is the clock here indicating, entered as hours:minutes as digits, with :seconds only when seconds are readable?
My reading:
9:04
